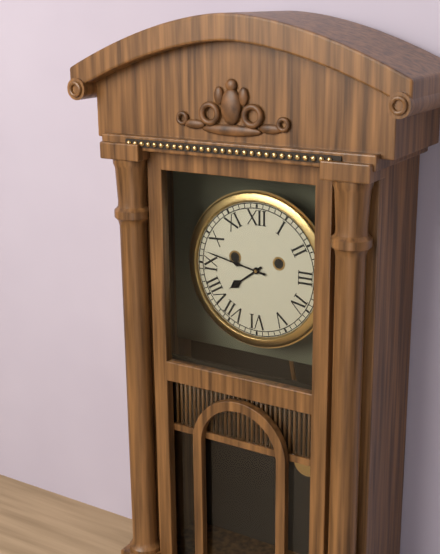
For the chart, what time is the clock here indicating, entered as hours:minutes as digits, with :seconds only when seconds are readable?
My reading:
7:47
